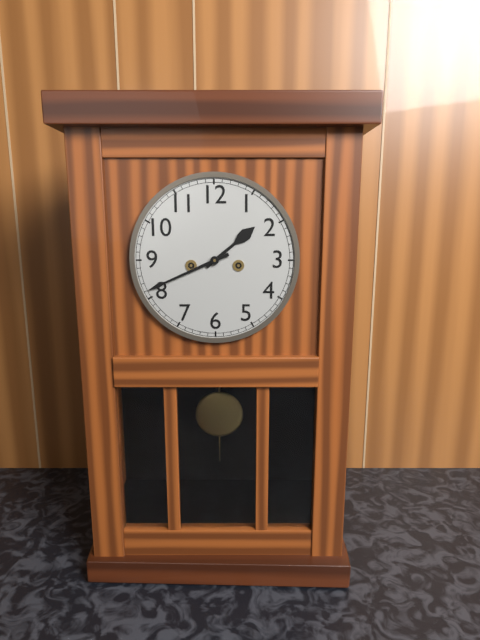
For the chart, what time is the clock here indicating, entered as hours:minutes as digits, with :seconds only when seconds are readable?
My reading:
1:41
